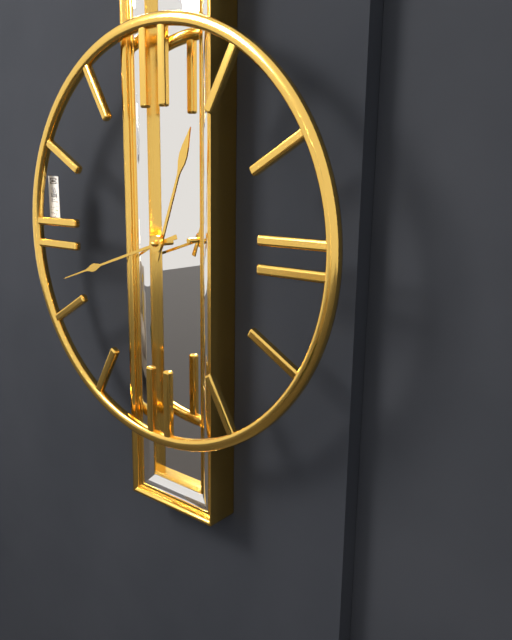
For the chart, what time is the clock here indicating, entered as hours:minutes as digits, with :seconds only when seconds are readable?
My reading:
12:42
